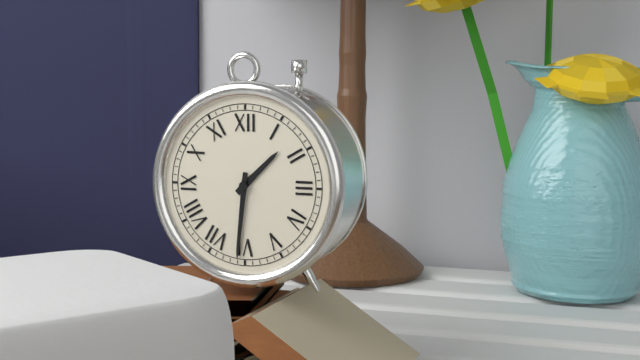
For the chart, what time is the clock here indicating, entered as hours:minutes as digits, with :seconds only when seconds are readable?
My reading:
1:31
